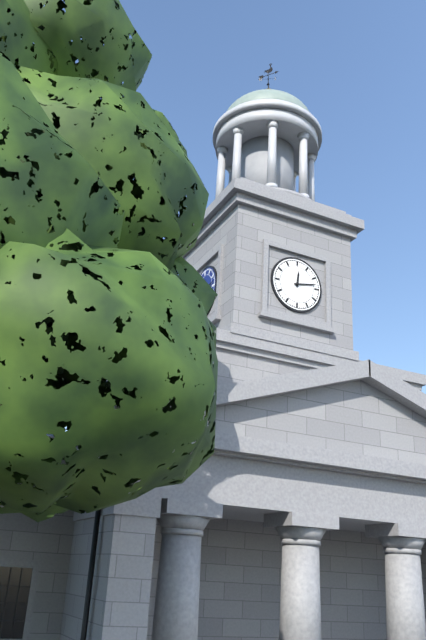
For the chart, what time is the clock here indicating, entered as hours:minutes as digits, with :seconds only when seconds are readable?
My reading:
12:13
